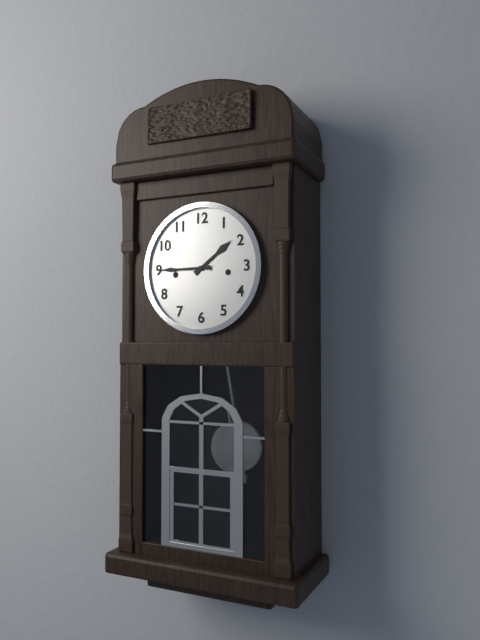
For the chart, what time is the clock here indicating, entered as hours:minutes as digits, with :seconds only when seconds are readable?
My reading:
1:45
